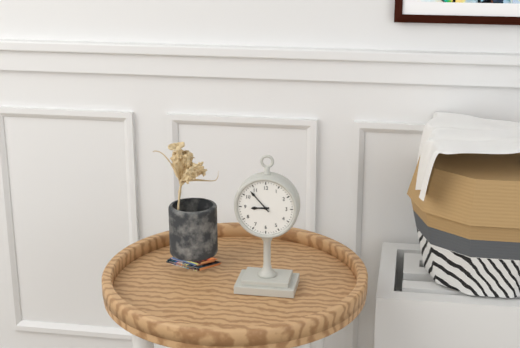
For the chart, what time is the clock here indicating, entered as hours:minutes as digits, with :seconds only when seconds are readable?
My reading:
8:53
